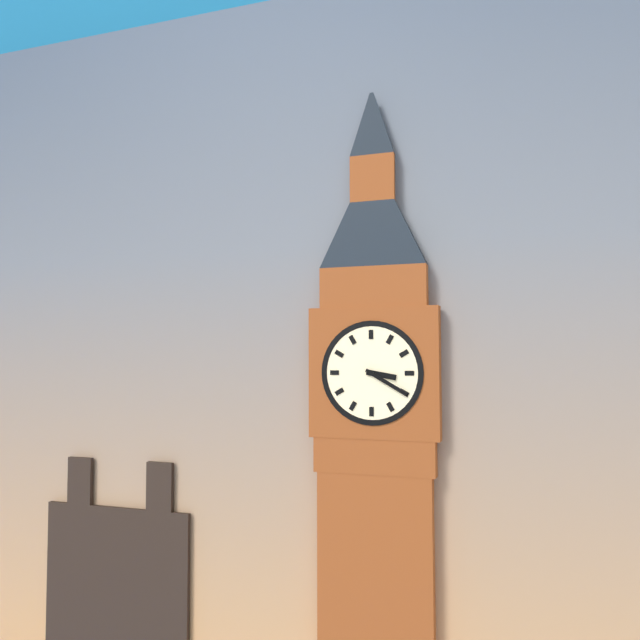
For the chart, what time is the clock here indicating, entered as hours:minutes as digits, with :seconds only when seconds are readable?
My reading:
3:20
